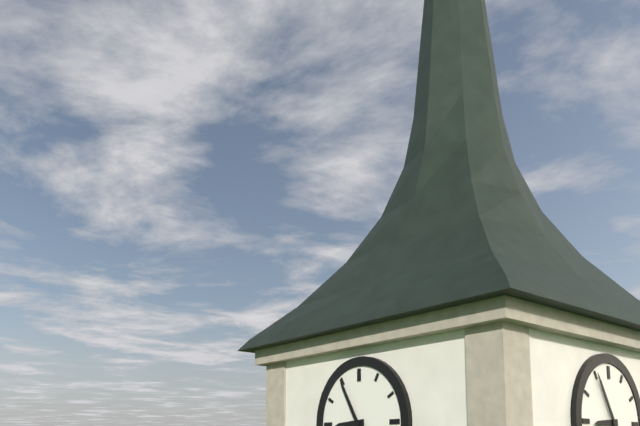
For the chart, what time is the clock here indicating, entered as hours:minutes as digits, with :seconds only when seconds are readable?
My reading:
8:55
